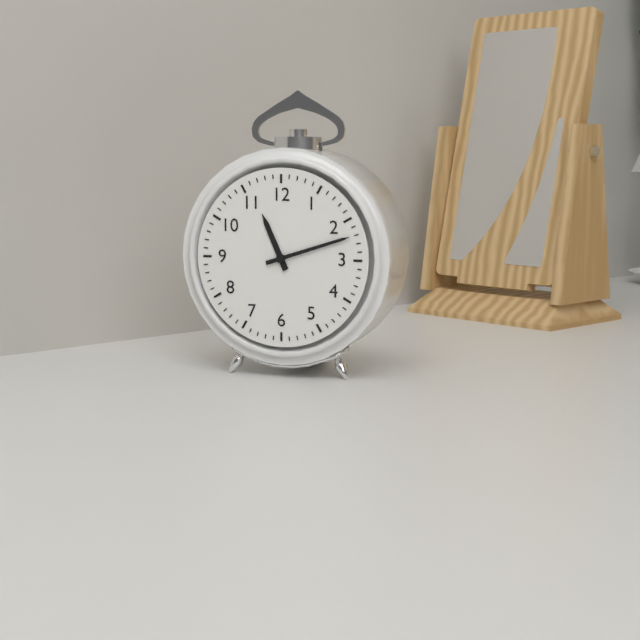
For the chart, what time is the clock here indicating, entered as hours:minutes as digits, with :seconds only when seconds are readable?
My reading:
11:12
